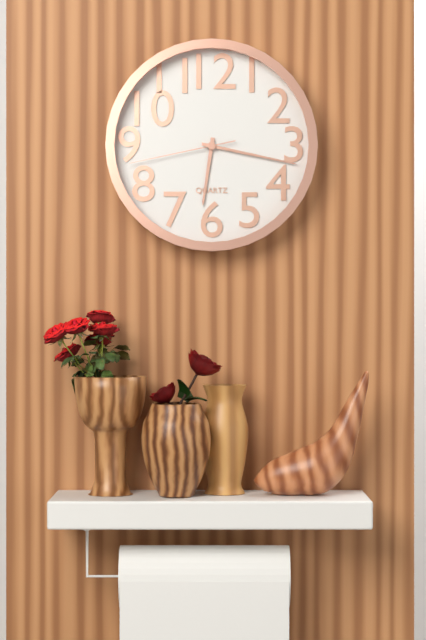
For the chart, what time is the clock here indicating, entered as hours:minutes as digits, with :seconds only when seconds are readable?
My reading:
6:17:43
